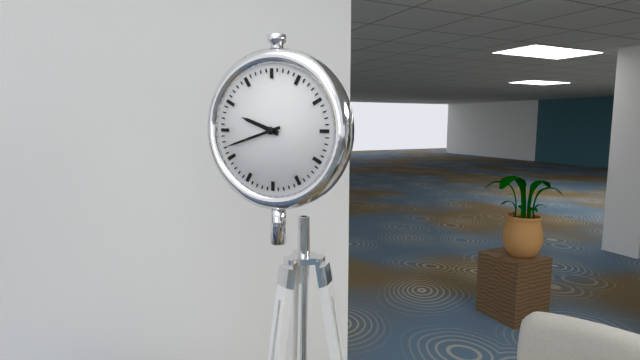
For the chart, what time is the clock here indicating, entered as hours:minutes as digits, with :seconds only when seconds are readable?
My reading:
9:42
